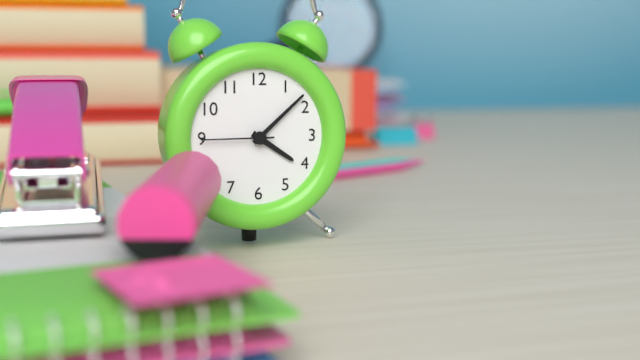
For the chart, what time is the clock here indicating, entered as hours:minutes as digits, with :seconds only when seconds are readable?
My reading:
4:08:45
